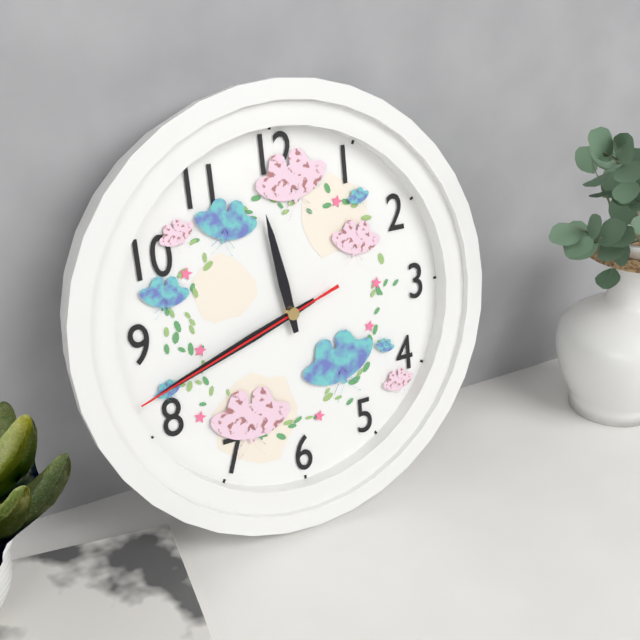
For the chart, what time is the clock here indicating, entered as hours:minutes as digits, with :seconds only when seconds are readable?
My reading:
11:42:42
